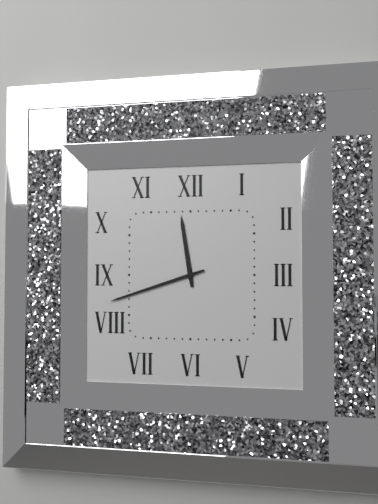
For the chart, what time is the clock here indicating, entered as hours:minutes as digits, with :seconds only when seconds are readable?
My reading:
11:42
